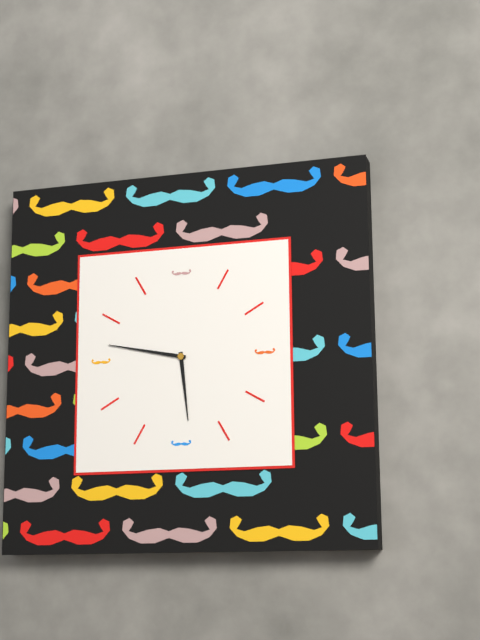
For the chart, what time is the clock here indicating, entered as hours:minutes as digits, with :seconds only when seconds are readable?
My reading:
5:47
